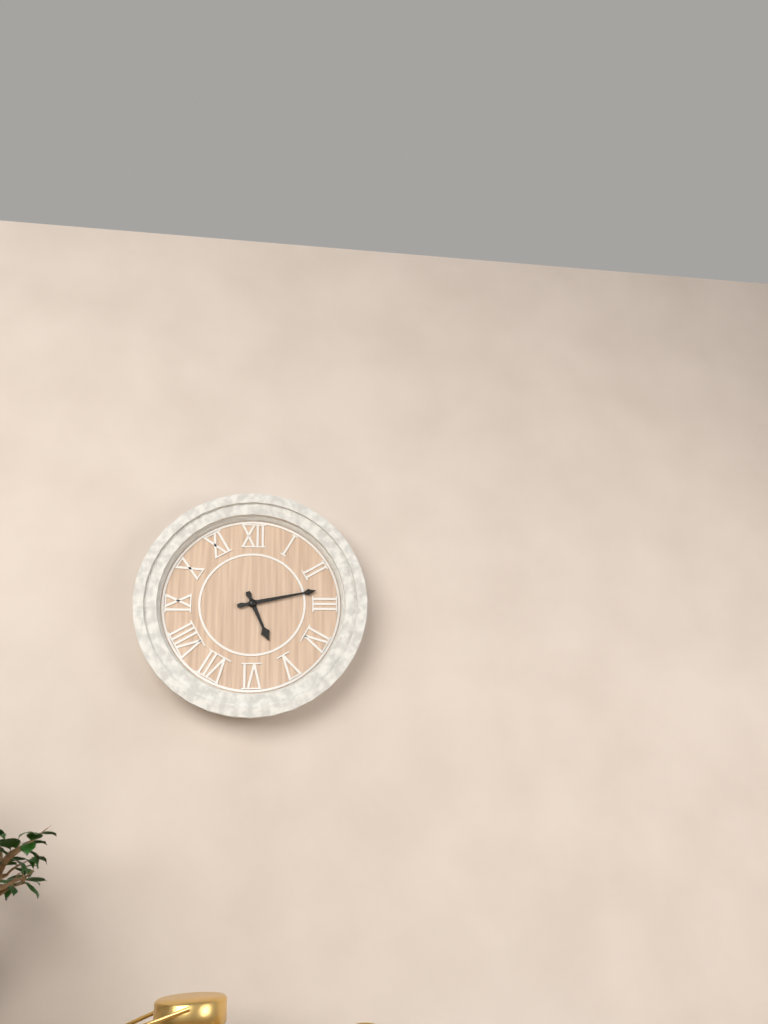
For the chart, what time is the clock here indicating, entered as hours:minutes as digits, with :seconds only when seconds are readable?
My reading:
5:13
